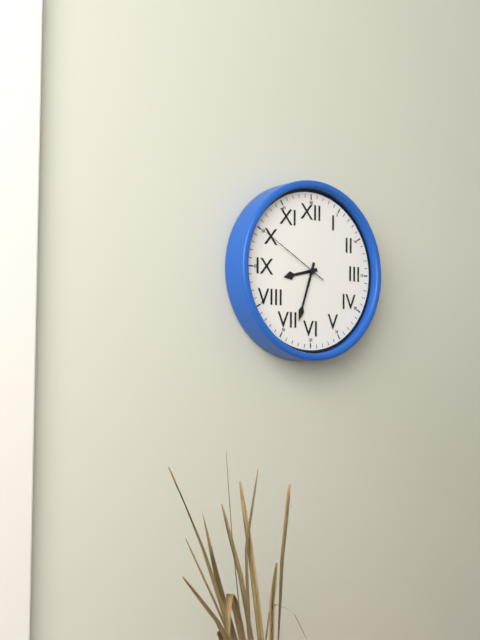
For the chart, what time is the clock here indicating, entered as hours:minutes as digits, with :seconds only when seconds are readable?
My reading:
8:33:50
